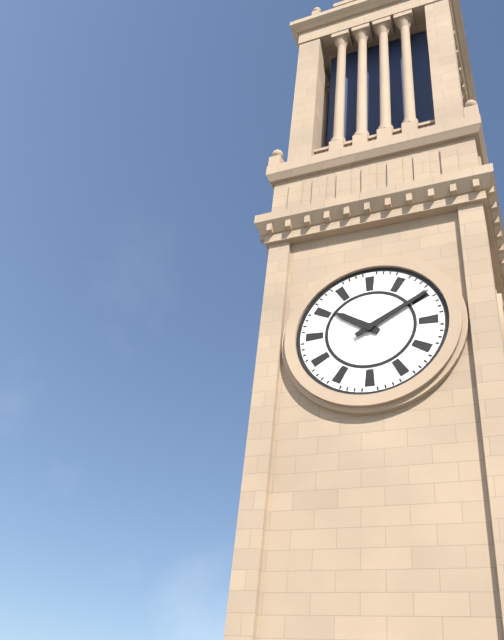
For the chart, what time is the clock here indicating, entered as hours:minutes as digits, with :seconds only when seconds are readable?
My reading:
10:10
